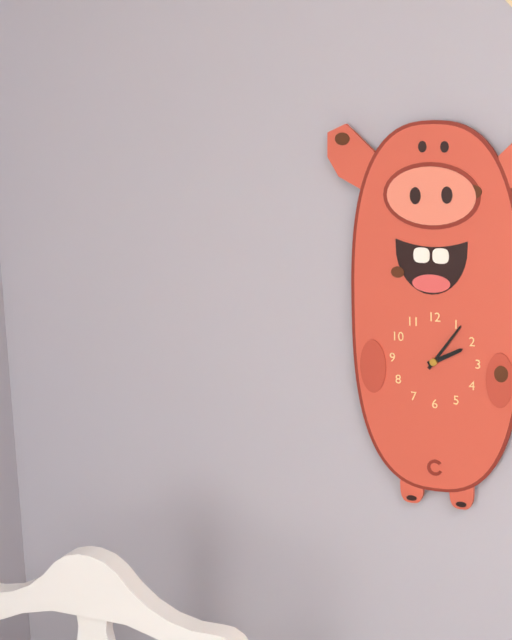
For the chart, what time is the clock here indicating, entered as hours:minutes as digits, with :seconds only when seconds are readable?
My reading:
2:06
